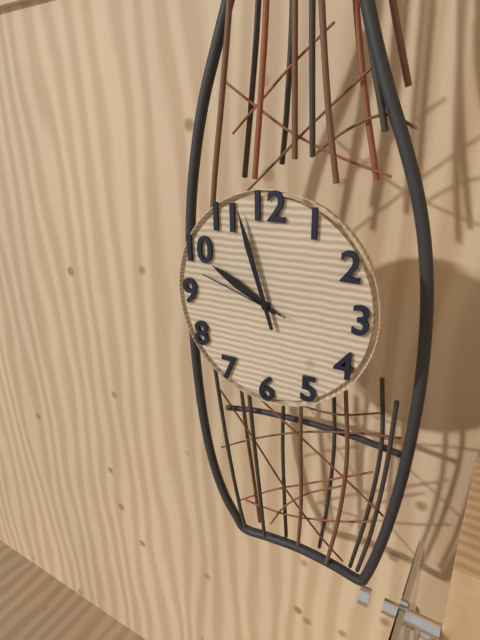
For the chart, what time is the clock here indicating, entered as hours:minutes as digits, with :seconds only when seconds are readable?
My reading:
9:57:48
